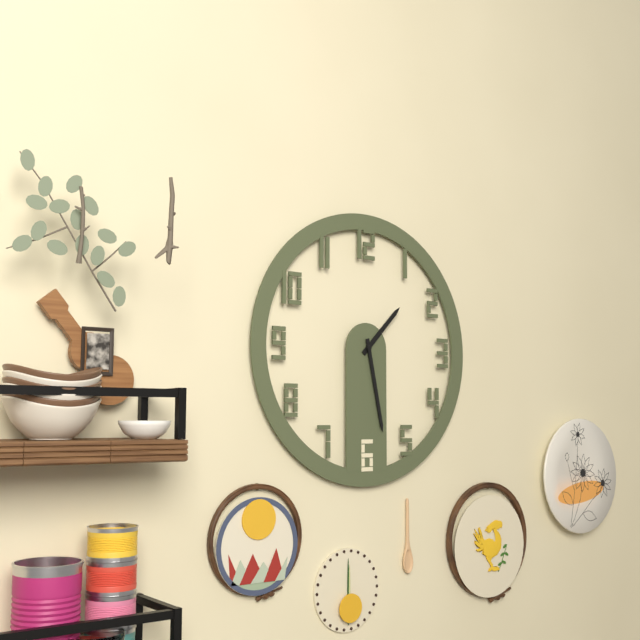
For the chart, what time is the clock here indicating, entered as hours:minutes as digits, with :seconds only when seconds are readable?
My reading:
1:28
